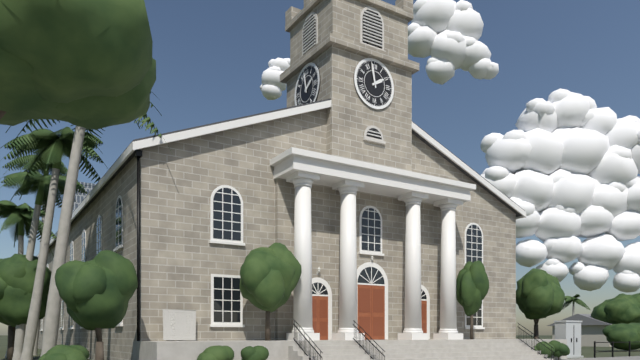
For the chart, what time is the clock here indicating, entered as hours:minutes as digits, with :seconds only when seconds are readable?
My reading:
1:58
